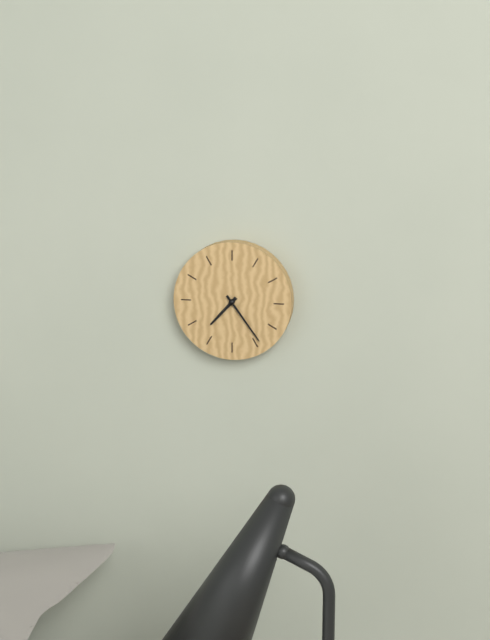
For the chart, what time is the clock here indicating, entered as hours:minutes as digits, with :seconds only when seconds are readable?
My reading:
7:24
